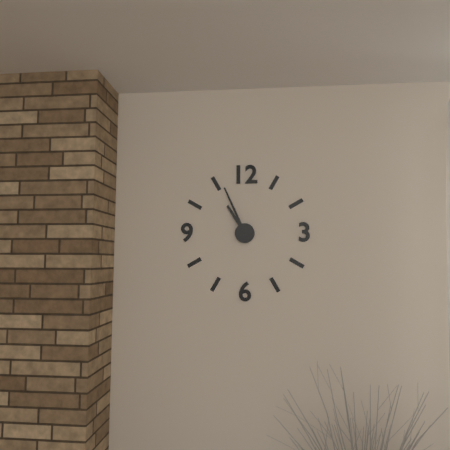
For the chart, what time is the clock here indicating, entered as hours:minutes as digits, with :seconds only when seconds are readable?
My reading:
10:56
